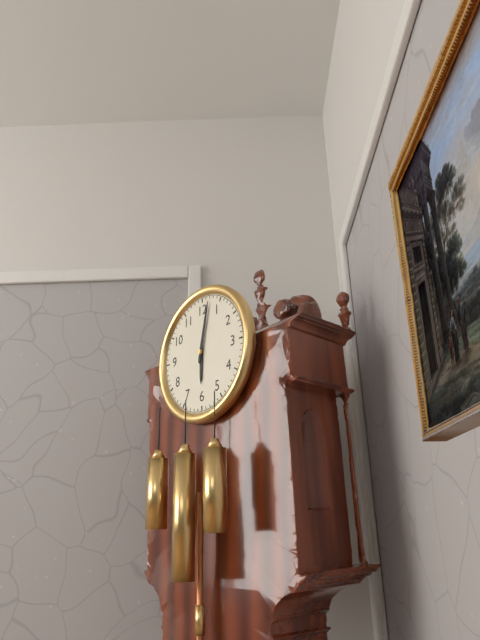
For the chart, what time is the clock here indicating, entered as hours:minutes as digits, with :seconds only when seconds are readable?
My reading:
6:02
